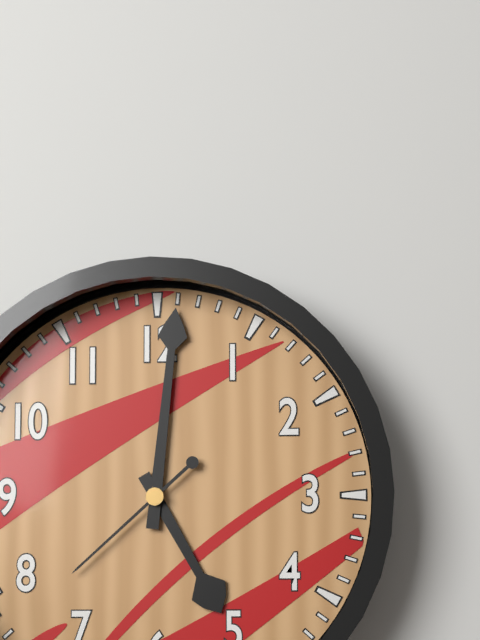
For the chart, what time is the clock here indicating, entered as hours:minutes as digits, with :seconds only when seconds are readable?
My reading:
5:01:38
